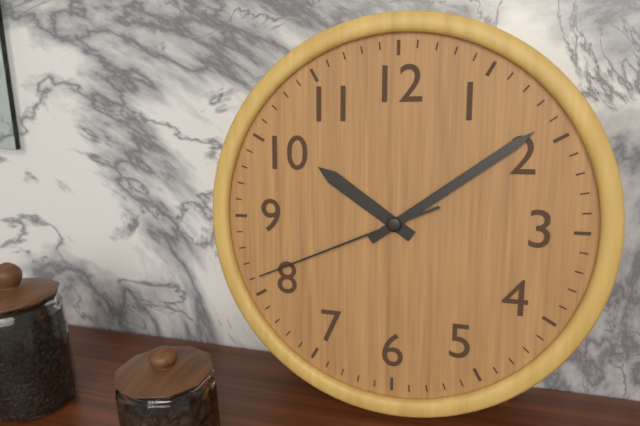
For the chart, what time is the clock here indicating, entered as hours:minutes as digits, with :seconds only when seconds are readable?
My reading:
10:09:41
